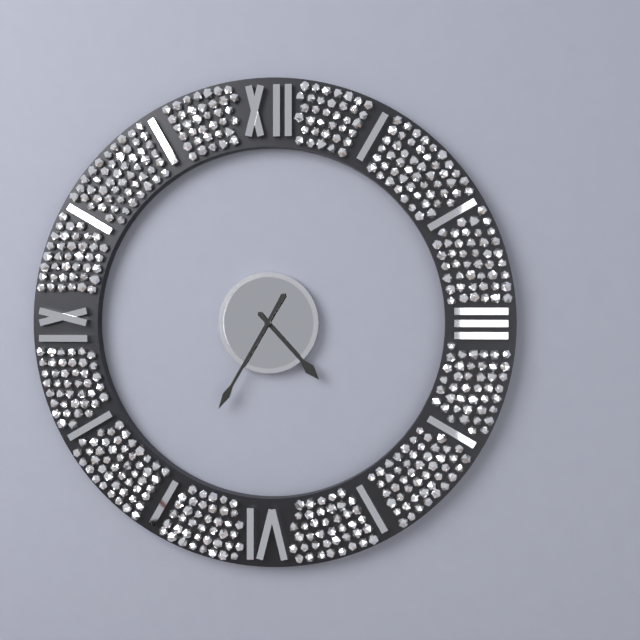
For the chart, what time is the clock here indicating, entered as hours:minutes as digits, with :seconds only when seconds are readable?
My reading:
4:35
